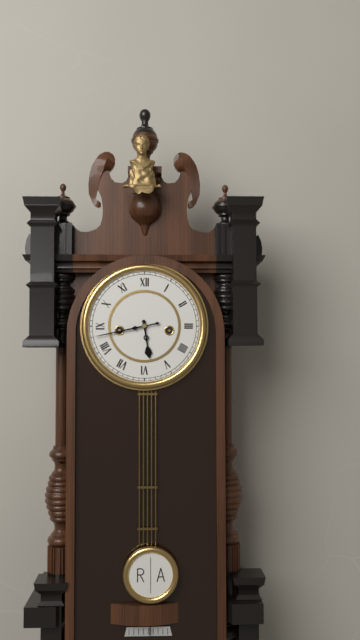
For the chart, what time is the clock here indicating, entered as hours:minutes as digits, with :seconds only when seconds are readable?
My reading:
5:43
